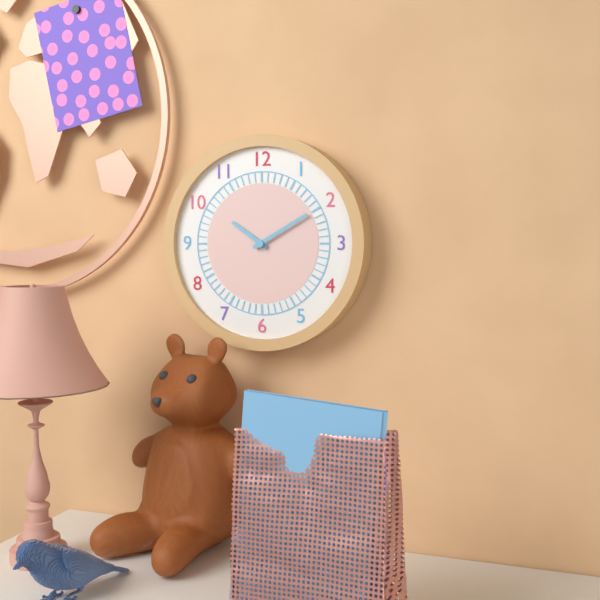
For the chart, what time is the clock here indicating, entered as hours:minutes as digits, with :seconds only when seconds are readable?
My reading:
10:10
